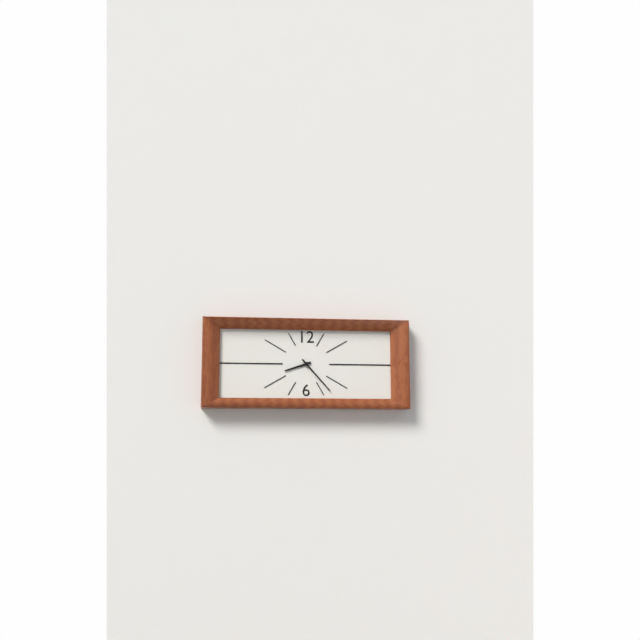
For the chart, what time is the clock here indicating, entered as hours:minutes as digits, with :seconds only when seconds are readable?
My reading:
8:23
